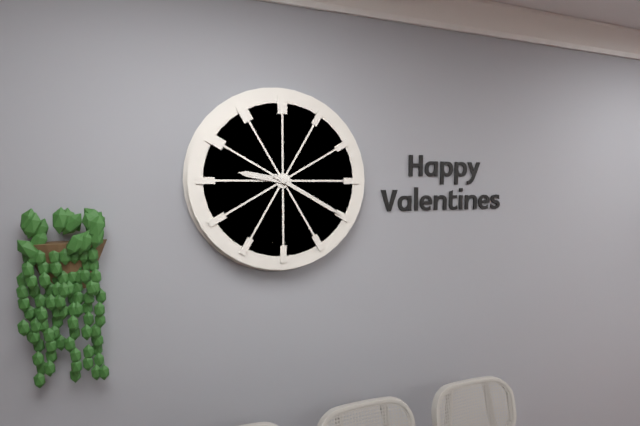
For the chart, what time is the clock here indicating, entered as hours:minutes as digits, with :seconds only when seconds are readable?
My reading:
9:20
